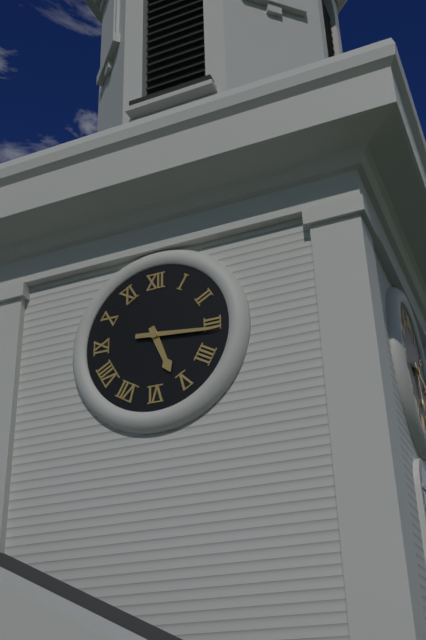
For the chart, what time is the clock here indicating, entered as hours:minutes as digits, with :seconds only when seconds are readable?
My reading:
5:16
